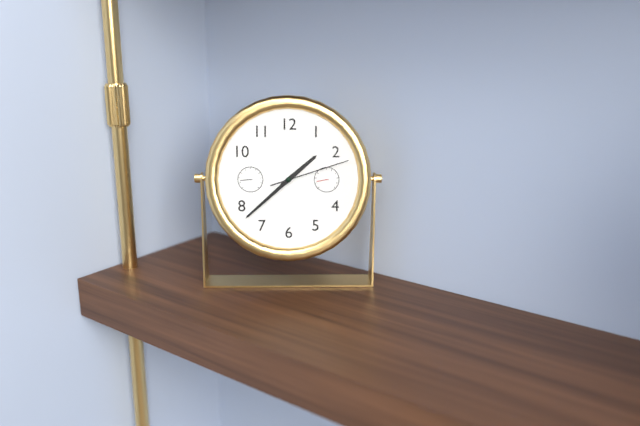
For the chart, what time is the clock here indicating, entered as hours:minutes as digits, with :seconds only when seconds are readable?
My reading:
1:38:12
